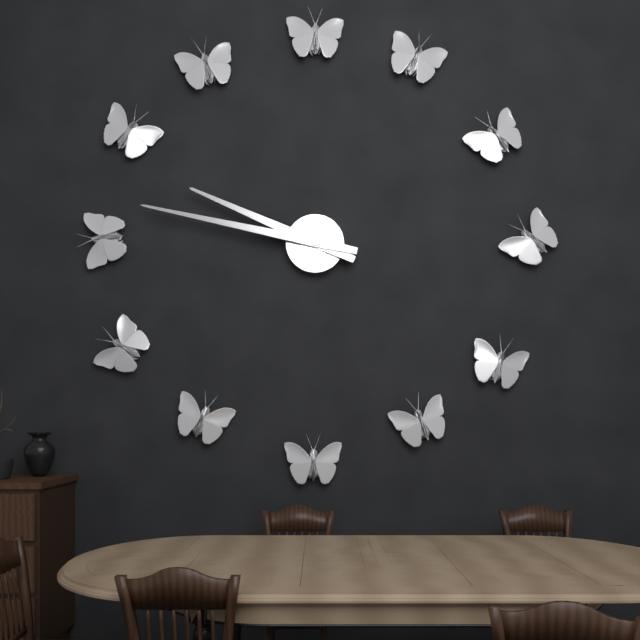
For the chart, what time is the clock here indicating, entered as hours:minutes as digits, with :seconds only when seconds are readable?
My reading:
9:47
